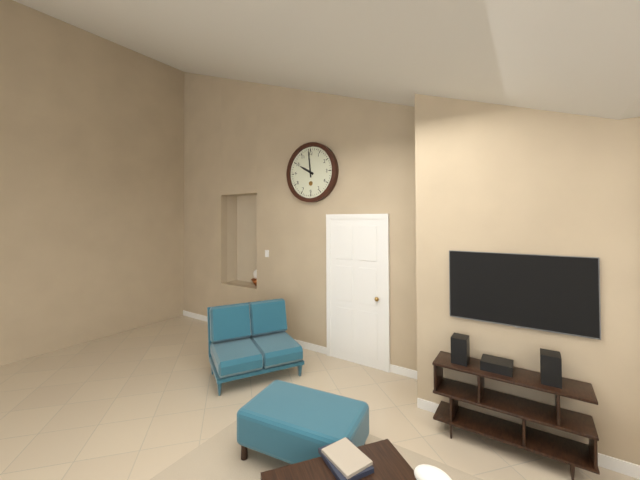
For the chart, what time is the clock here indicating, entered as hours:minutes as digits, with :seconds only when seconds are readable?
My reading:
9:59
